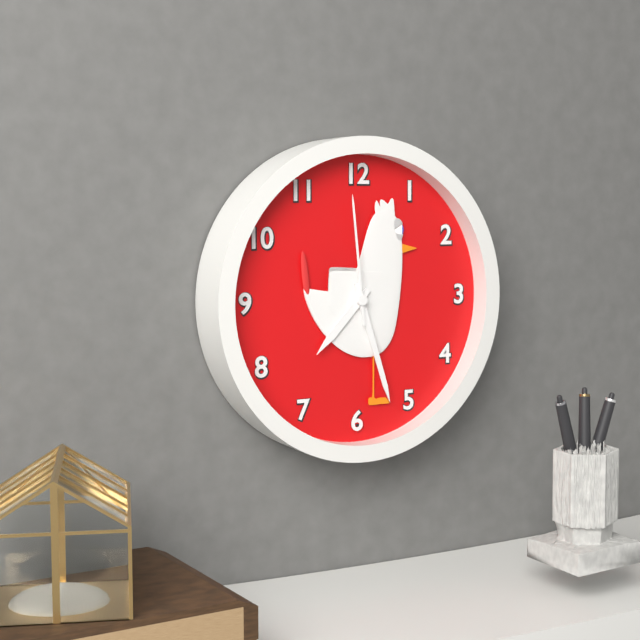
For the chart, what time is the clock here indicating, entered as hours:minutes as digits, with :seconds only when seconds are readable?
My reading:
7:27:59
